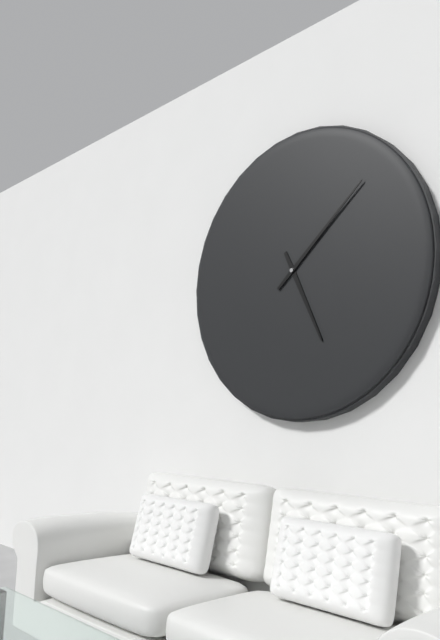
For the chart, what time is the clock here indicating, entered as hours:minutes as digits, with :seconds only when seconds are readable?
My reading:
5:08
